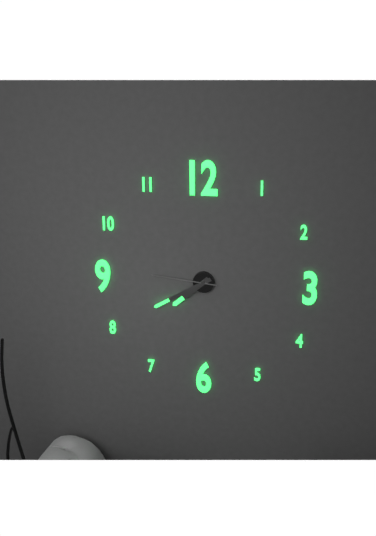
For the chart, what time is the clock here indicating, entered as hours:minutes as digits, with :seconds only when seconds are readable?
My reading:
7:40:46
